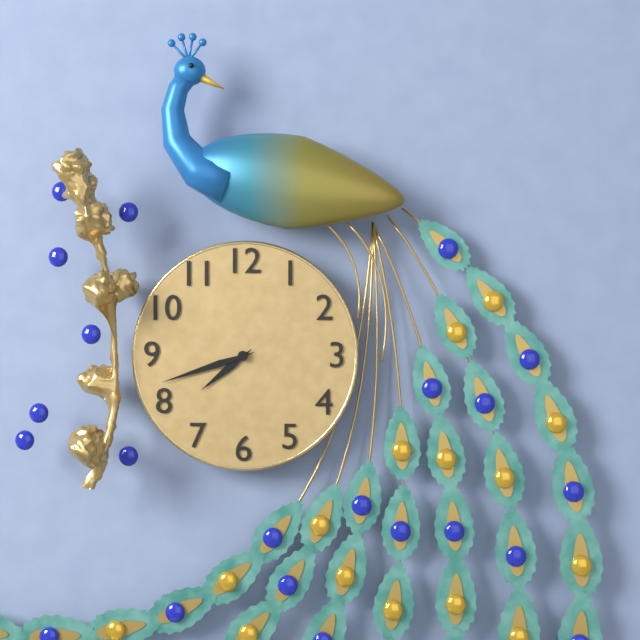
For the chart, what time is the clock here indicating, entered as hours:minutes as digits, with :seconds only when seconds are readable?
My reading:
7:42
